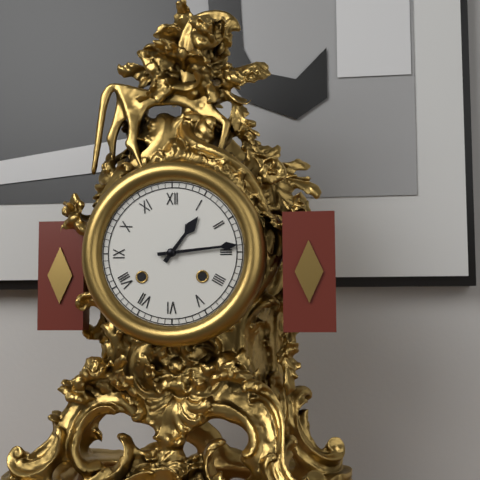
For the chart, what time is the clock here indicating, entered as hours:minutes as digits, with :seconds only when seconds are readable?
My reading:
1:14
